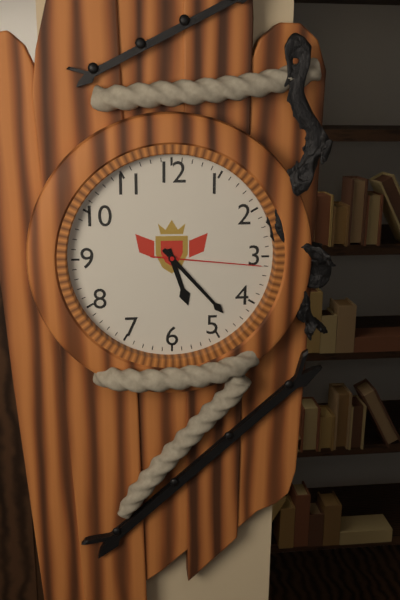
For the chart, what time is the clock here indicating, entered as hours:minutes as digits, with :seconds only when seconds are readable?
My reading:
5:23:16
